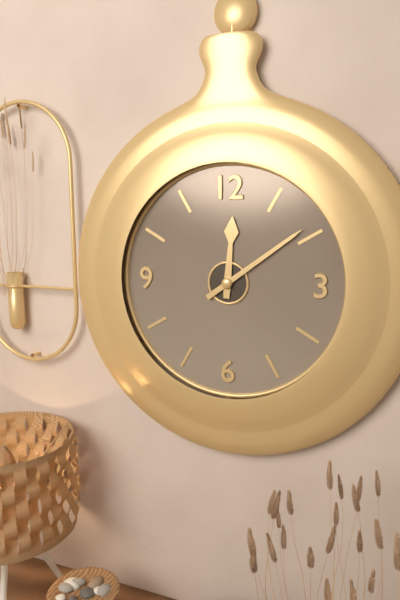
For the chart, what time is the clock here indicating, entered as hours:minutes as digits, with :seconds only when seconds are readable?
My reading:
12:09
